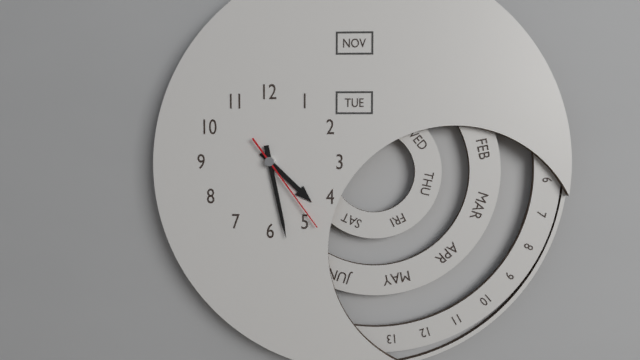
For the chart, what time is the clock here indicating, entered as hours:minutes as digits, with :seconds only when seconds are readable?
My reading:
4:28:24
